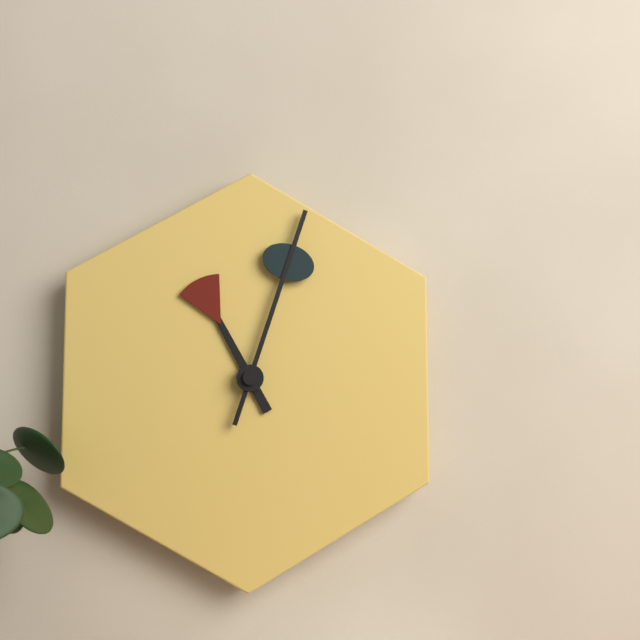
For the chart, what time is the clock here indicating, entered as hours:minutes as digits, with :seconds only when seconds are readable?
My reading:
11:03
